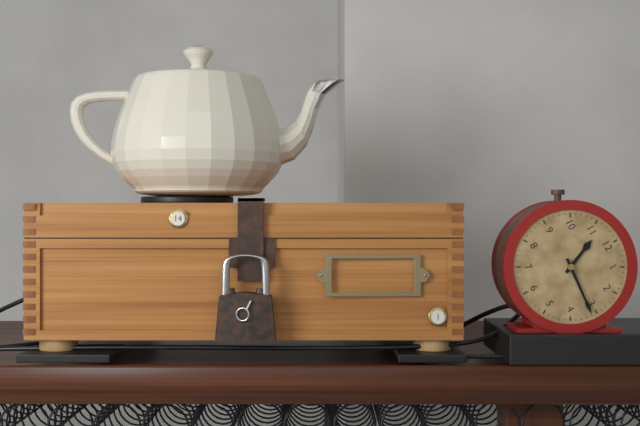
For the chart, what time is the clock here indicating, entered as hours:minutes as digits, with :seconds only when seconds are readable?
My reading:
11:16
